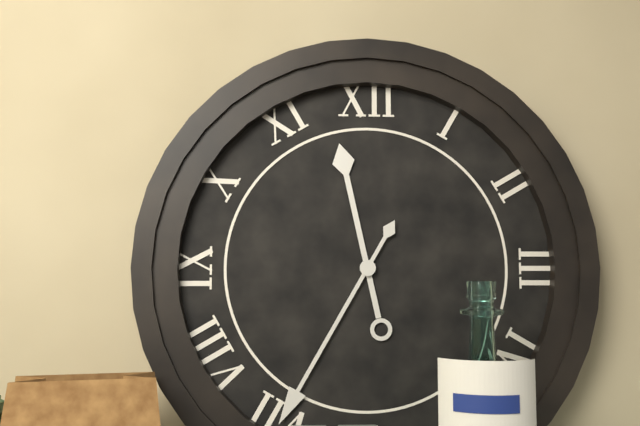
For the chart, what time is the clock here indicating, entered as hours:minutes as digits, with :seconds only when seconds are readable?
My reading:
11:35
